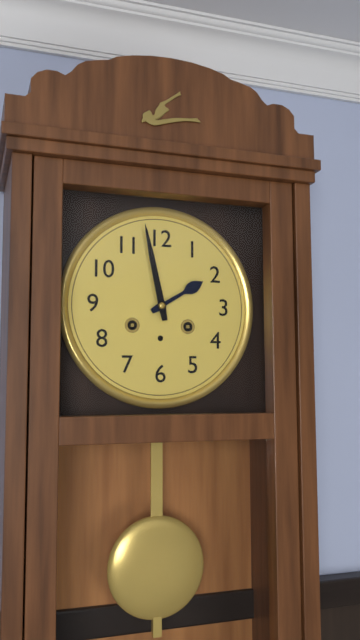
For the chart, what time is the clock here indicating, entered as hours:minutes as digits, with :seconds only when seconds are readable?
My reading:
1:58
